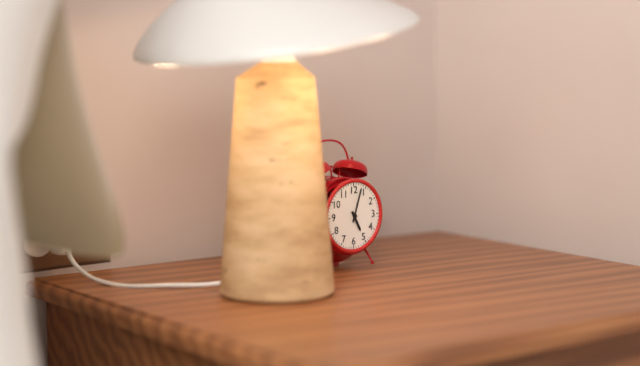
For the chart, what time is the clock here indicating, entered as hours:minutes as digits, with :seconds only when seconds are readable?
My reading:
5:03
